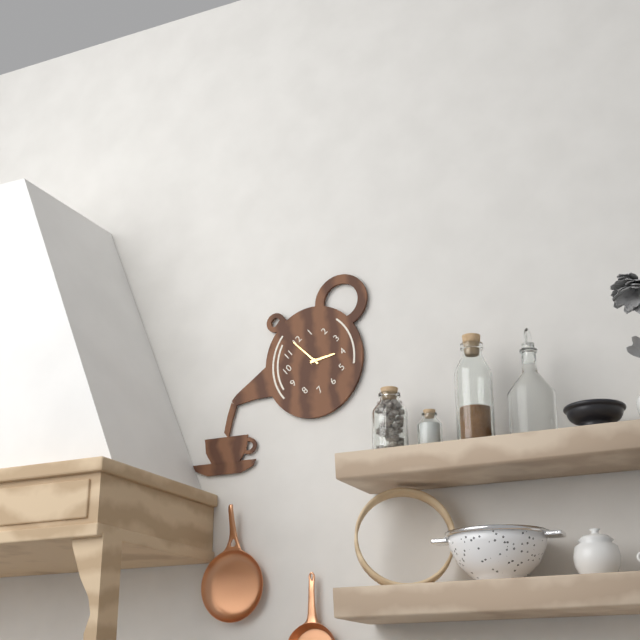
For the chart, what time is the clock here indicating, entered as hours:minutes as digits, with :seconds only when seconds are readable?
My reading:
3:59
